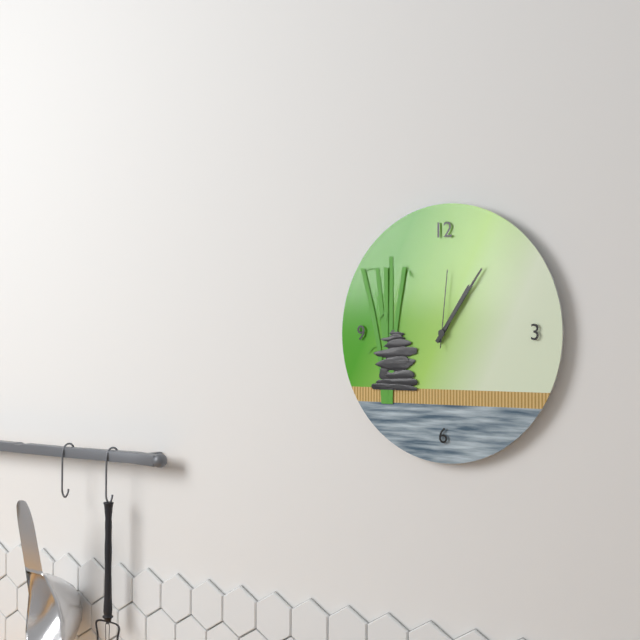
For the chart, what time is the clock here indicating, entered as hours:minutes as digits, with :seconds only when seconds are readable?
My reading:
1:06:01
